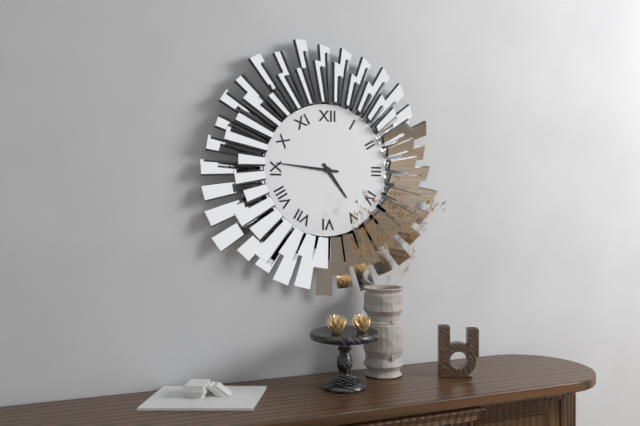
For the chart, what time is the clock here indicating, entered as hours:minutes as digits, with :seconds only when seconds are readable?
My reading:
4:46
